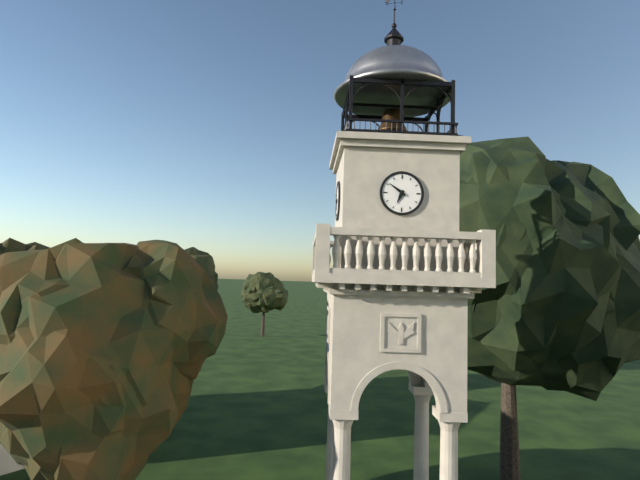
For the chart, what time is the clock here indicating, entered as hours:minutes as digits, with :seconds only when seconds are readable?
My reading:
6:51
